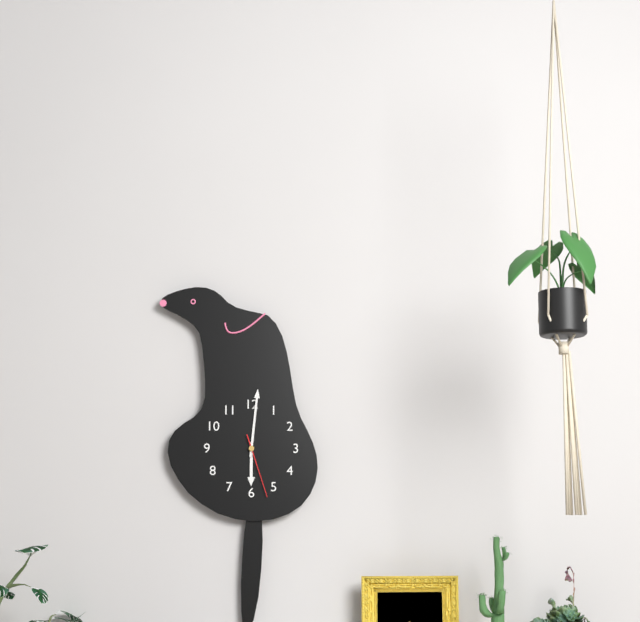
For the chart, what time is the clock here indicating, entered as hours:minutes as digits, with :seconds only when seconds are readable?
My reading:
6:01:27
